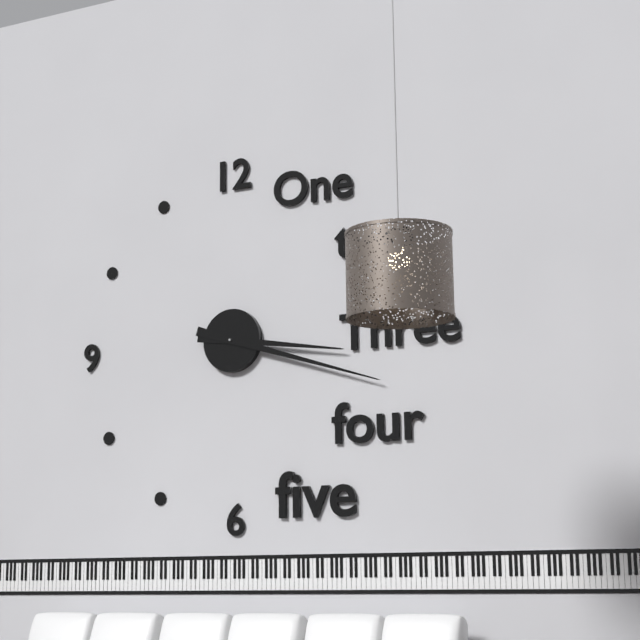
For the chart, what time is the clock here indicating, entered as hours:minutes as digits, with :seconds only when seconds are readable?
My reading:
3:18
